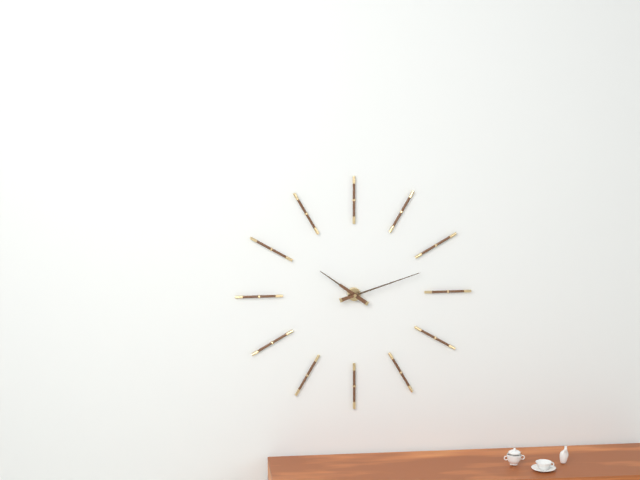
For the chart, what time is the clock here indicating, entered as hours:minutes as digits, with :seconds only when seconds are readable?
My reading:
10:12
